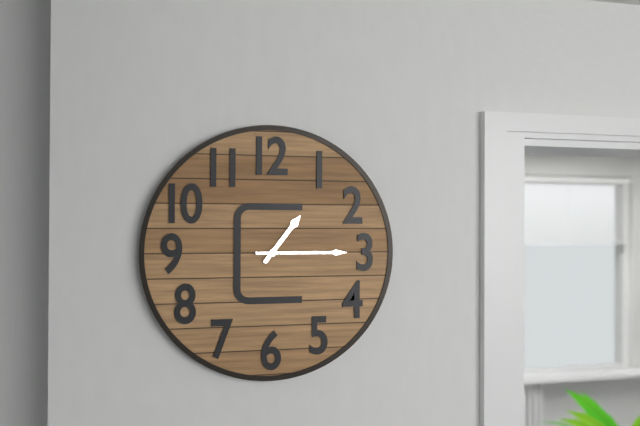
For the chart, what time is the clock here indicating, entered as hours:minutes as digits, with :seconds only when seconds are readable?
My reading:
1:15
